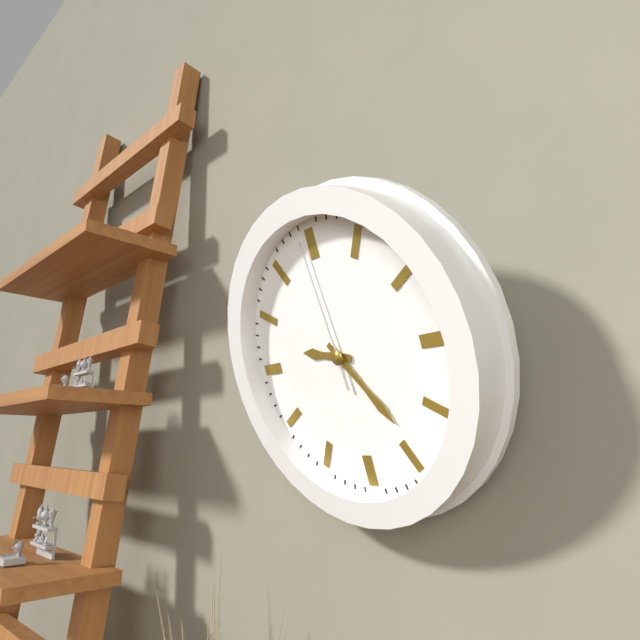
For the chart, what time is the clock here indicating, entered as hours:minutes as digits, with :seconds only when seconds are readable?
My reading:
9:24:59
